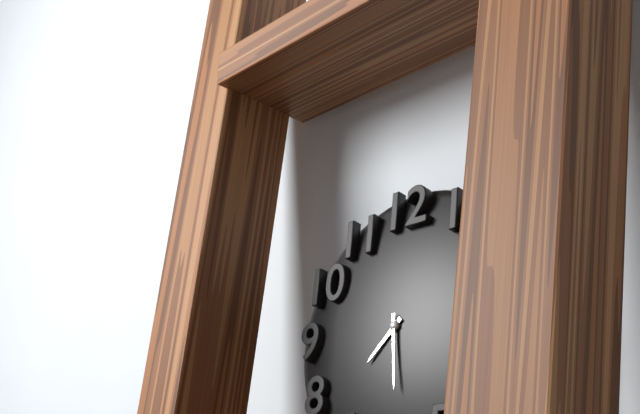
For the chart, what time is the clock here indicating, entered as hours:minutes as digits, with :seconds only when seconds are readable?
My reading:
7:29
